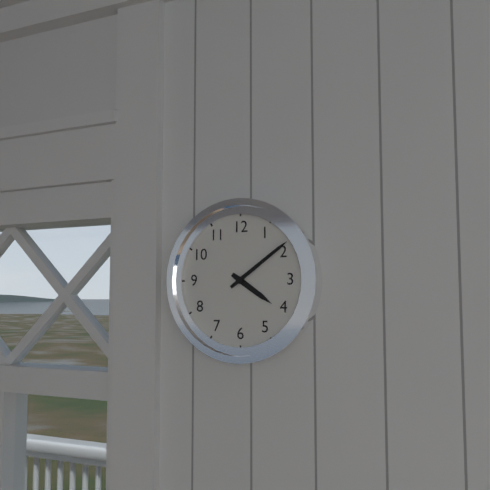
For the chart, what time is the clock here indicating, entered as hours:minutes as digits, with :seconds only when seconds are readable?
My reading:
4:09
